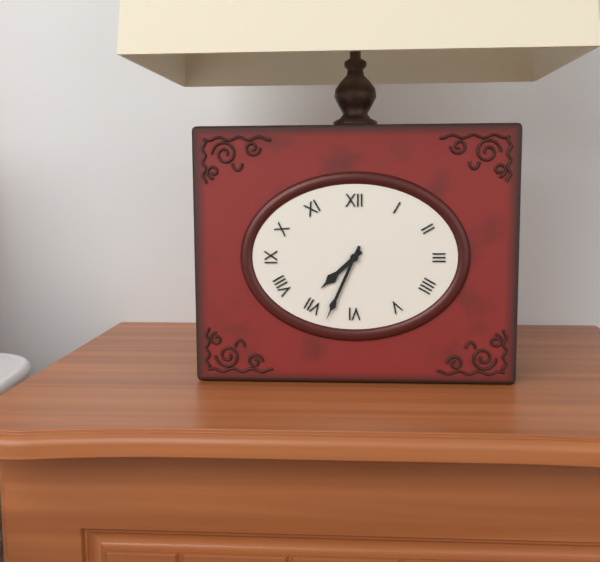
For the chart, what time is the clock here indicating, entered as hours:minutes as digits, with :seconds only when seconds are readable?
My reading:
7:34
